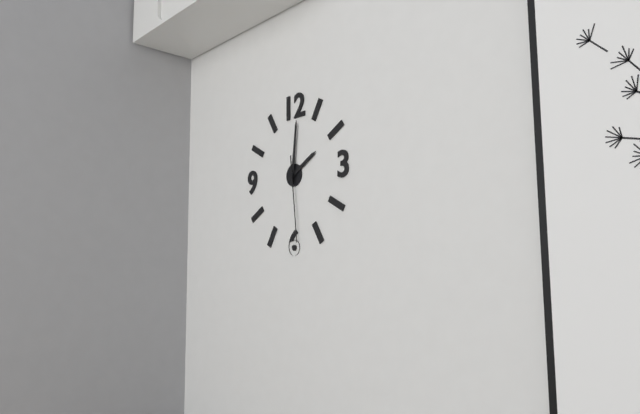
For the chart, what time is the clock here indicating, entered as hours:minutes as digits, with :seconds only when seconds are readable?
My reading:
2:01:29
